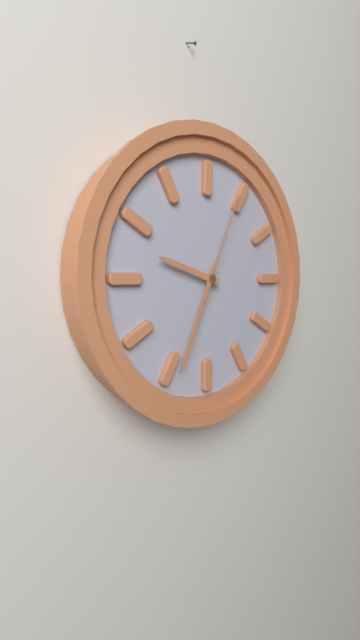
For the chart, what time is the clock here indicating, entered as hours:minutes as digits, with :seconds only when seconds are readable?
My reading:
9:34:04
